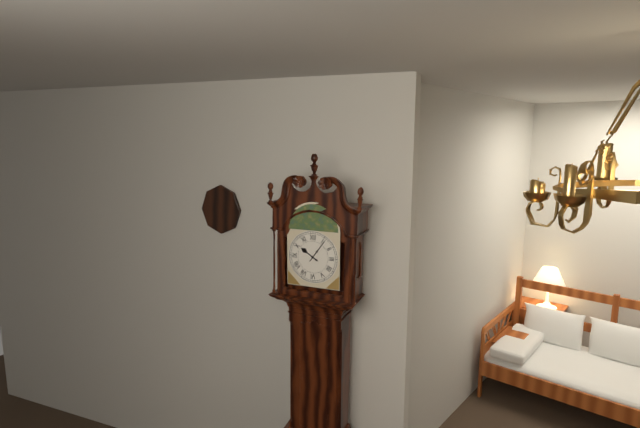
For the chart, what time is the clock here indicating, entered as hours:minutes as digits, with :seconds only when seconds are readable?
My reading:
10:06
